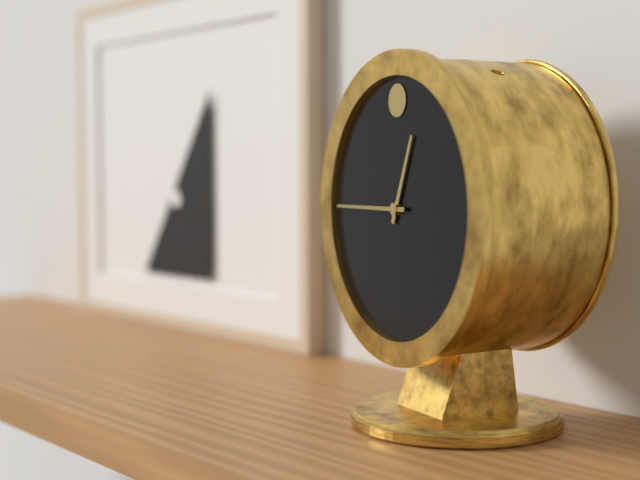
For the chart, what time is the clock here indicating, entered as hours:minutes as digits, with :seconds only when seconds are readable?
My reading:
12:45
